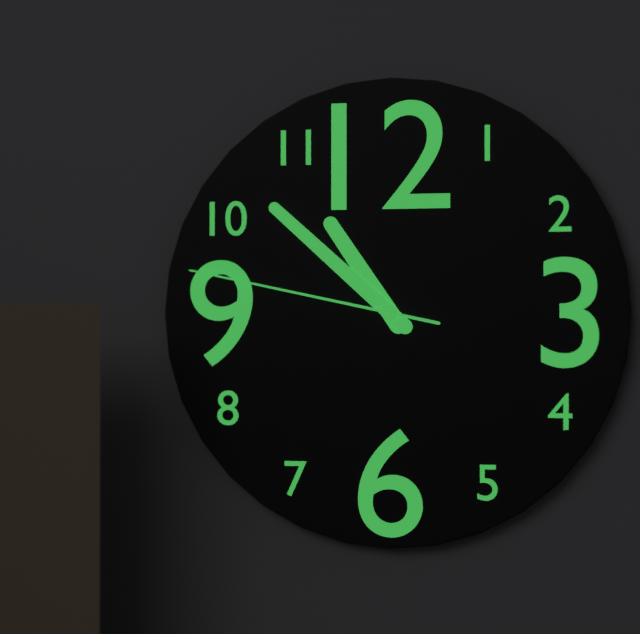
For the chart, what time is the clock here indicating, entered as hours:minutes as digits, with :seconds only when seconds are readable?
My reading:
10:52:47
